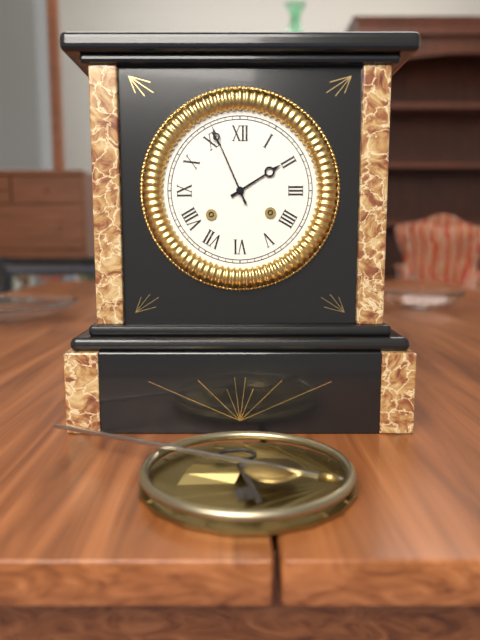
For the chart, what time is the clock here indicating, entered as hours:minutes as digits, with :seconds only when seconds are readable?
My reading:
1:56
